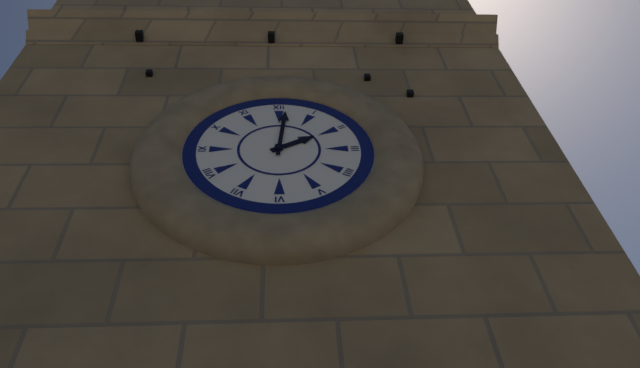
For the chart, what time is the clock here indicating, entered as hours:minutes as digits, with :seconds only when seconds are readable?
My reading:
2:01
